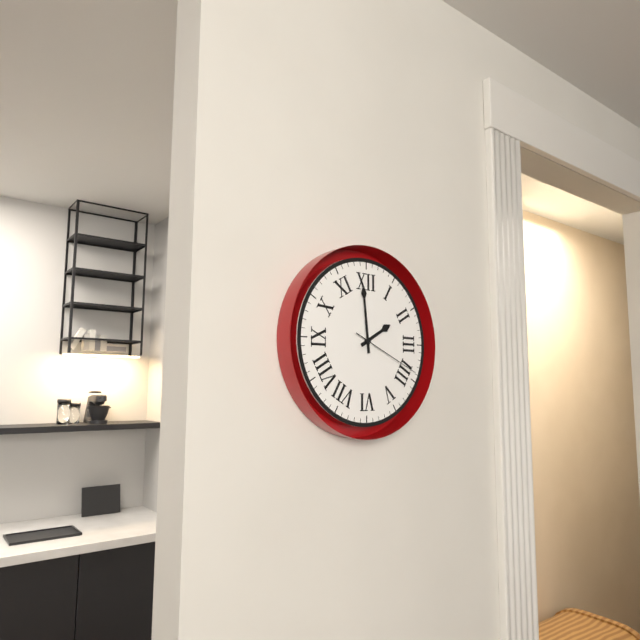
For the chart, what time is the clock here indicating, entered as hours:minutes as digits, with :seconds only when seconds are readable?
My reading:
1:59:19
